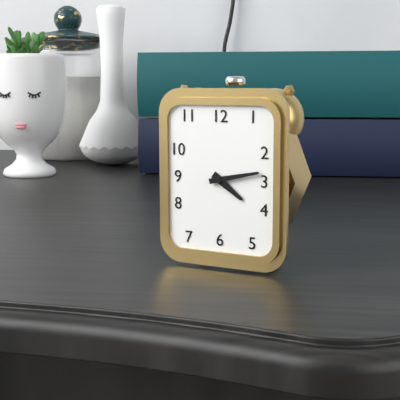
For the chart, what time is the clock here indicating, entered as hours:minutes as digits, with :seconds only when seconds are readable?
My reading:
4:13
